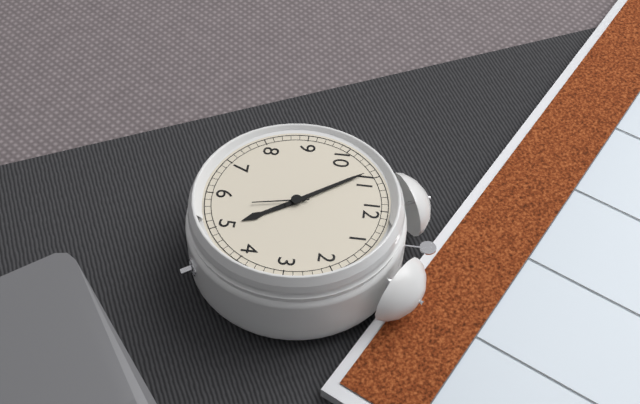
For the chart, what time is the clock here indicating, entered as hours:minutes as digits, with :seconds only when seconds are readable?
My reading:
4:54:28
